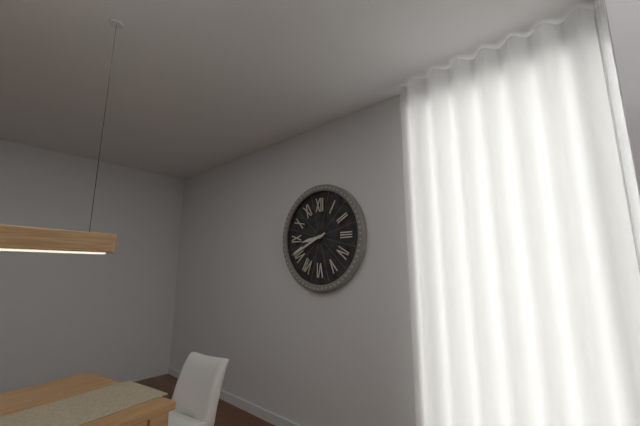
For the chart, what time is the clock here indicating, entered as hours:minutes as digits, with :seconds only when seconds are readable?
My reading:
8:41
